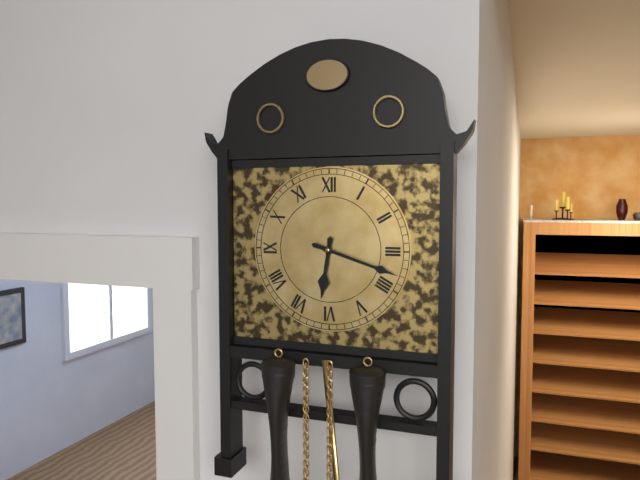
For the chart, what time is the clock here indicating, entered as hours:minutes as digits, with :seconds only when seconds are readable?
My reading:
6:18
